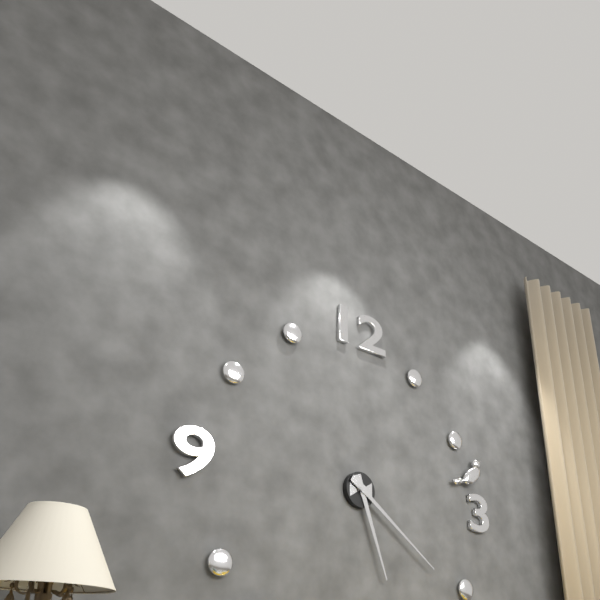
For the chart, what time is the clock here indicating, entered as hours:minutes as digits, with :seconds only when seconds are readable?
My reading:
5:21
